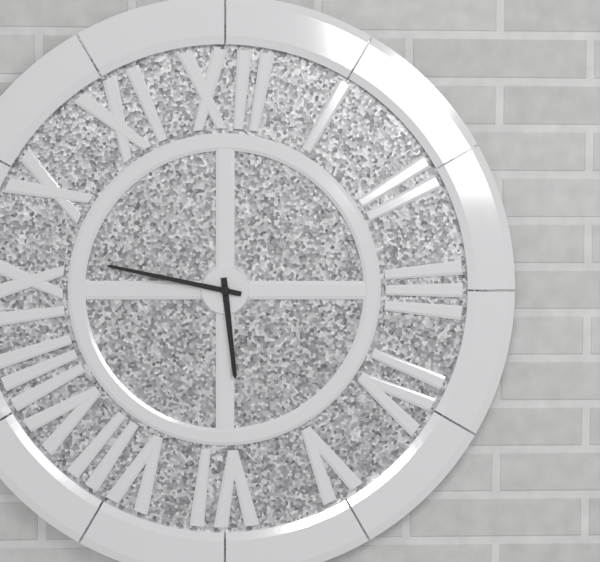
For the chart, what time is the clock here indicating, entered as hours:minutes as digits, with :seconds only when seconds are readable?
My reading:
5:47
